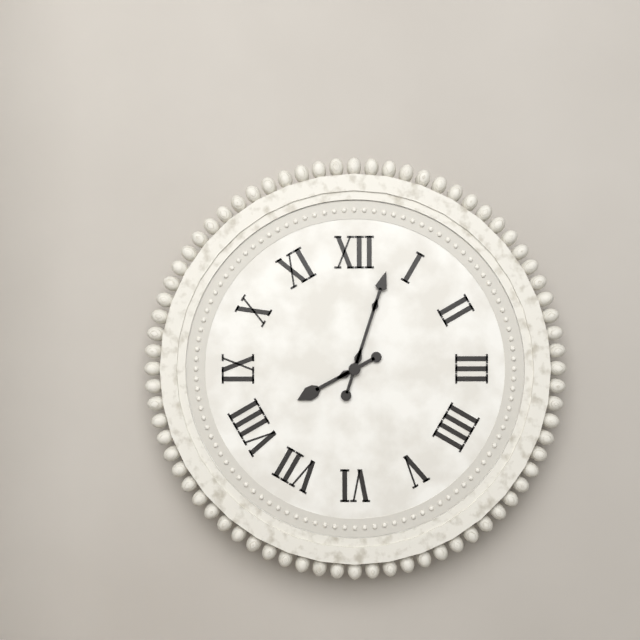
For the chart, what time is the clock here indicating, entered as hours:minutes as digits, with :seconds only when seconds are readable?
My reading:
8:03
